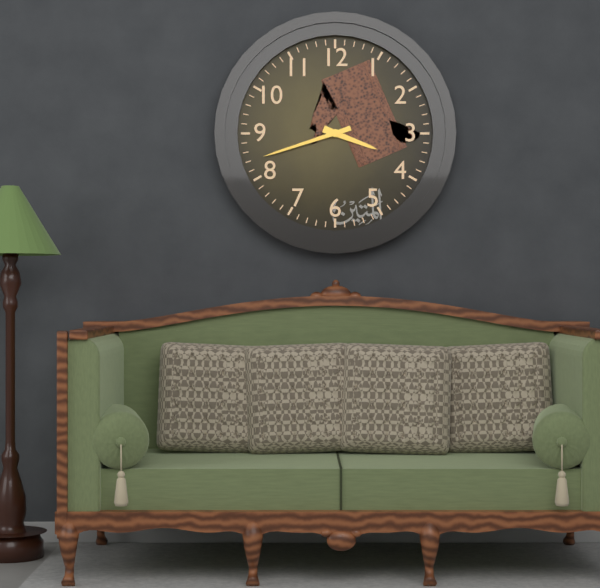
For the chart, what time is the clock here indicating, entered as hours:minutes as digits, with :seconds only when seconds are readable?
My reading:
3:42
